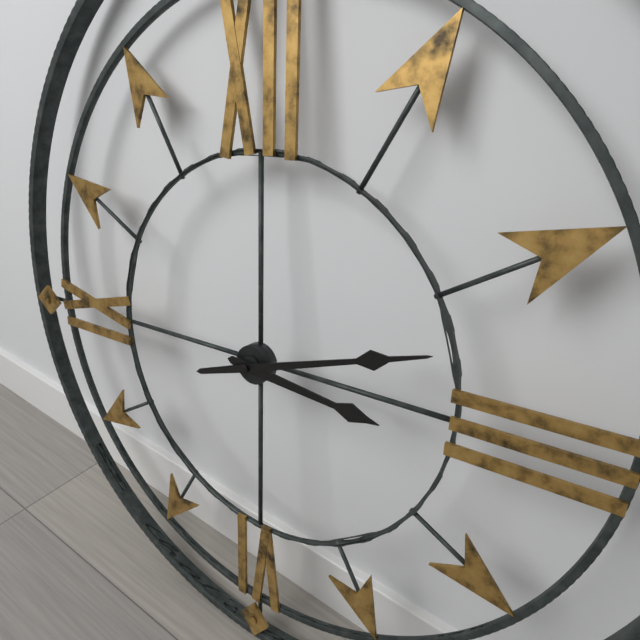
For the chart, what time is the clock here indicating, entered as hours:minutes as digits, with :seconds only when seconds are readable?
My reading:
3:12
